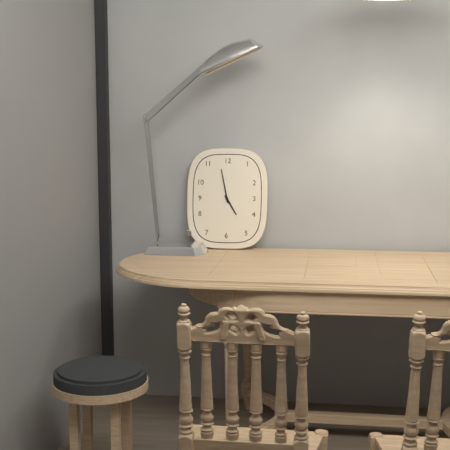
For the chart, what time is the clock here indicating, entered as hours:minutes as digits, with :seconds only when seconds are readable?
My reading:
4:58
